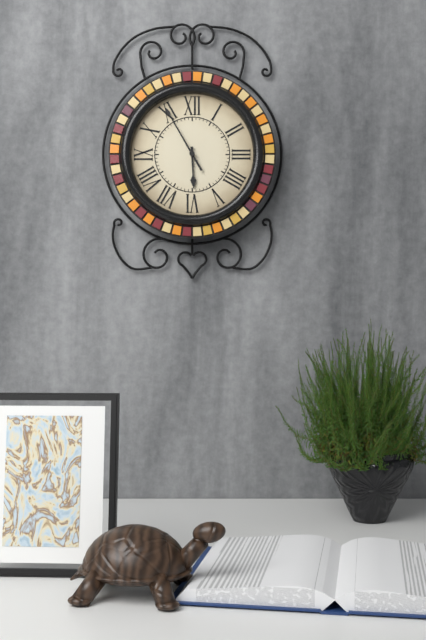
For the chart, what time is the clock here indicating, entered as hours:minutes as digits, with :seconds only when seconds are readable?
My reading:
5:55
